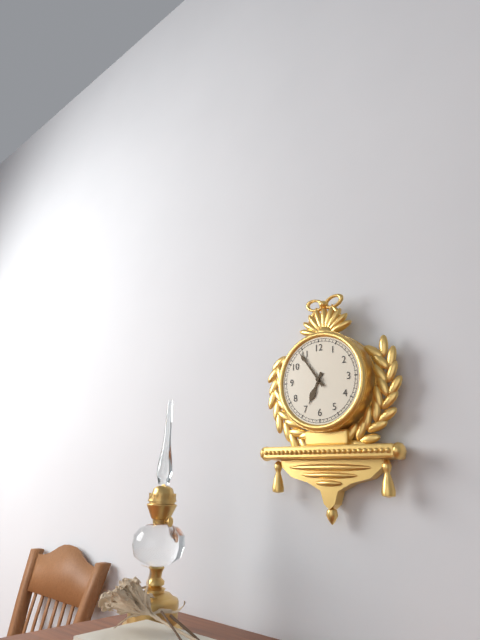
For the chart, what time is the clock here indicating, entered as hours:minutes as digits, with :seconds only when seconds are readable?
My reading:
6:54
